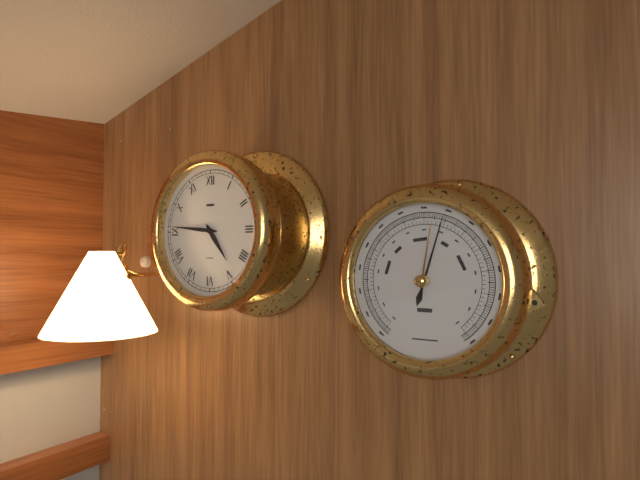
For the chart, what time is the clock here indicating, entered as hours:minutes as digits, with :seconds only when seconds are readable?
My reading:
4:46
